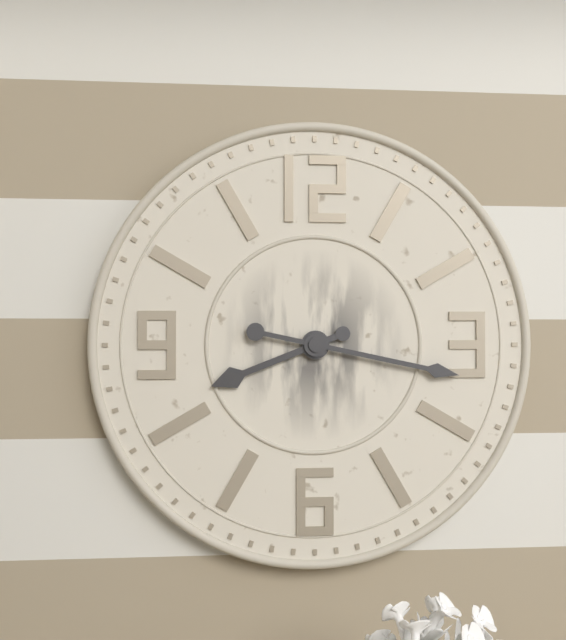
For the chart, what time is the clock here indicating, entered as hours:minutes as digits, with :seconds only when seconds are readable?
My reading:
8:17
